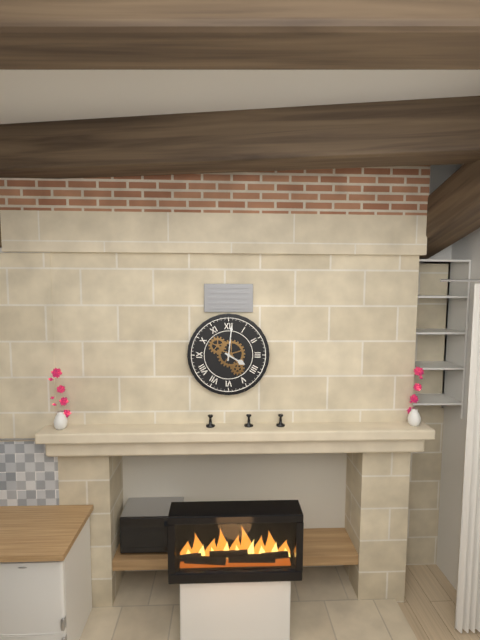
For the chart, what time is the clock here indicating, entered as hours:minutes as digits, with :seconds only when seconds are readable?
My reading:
4:01
